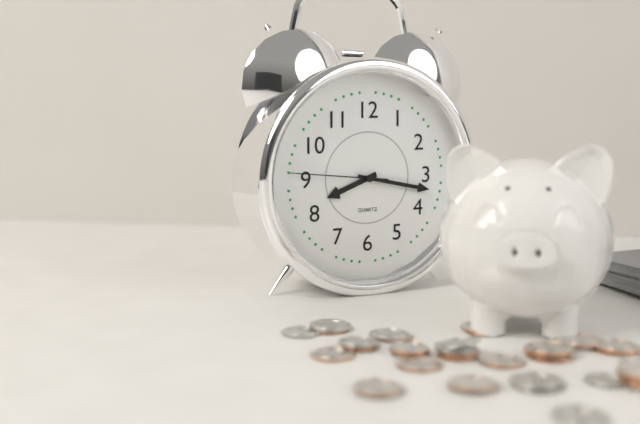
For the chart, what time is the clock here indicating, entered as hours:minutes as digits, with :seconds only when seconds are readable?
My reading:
8:17:46
